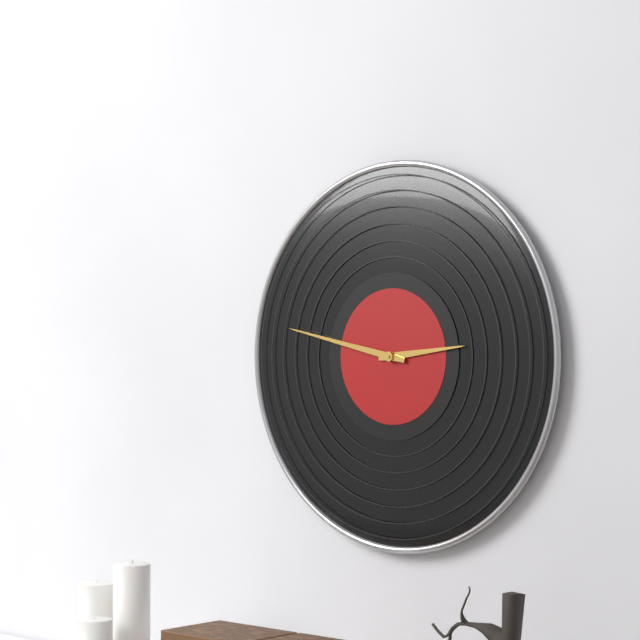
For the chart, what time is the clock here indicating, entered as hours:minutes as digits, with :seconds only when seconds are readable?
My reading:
2:47
